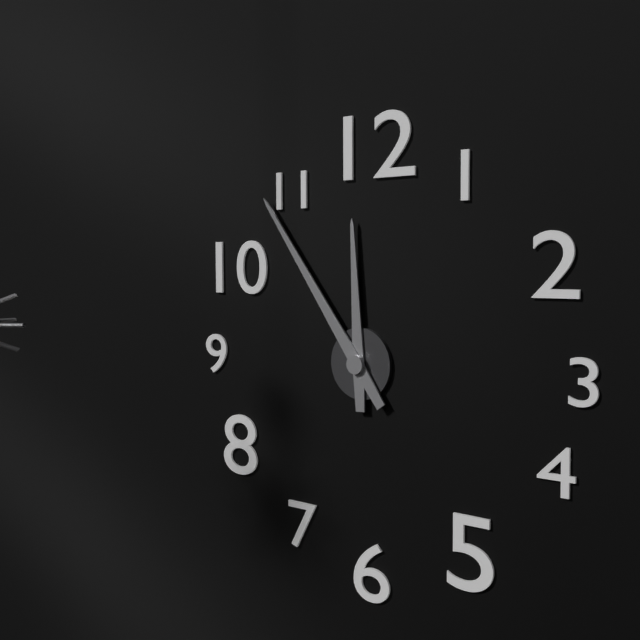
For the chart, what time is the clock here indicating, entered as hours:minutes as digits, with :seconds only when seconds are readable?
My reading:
11:54
